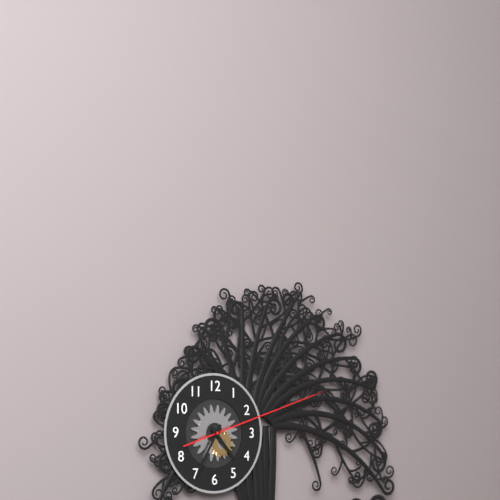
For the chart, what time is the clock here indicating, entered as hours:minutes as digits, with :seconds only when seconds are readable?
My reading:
4:35:12
